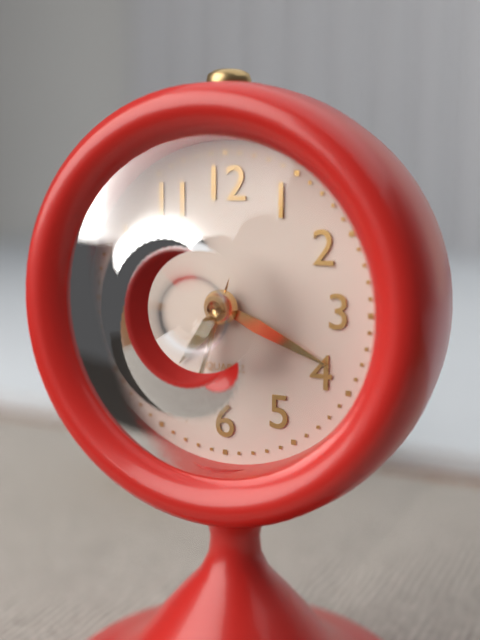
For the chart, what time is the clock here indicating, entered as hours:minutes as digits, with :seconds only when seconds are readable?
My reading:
7:19:33
